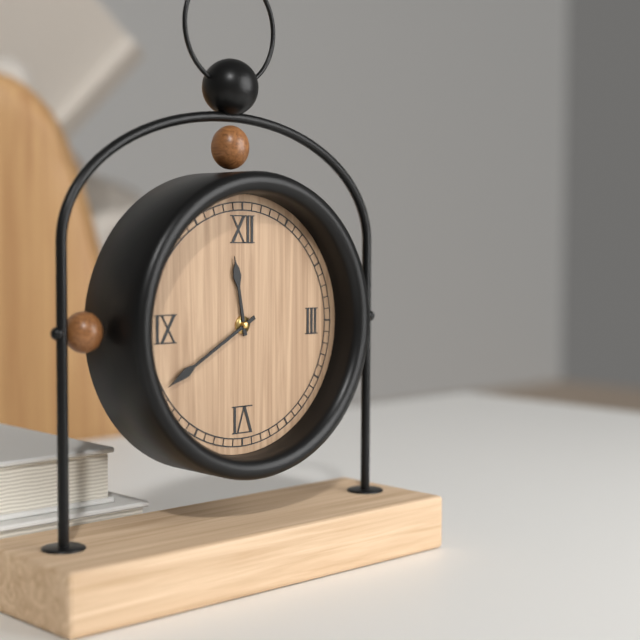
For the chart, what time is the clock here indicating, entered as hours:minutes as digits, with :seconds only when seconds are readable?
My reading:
11:40
